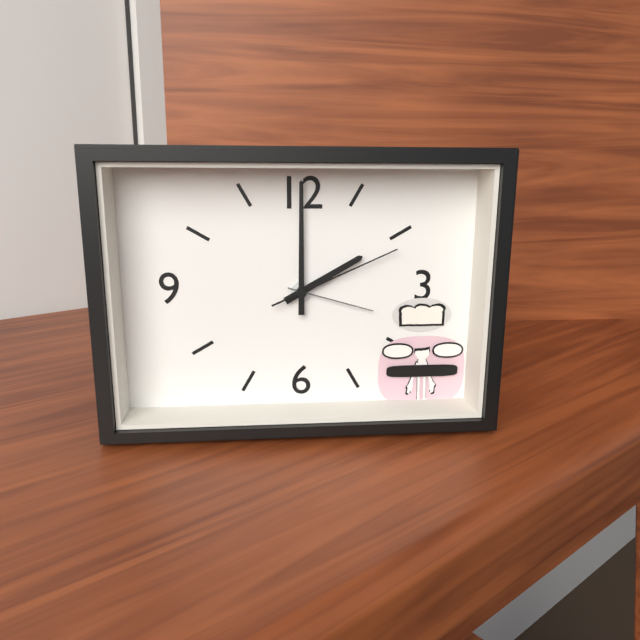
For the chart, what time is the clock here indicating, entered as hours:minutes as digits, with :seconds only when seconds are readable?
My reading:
2:00:11
